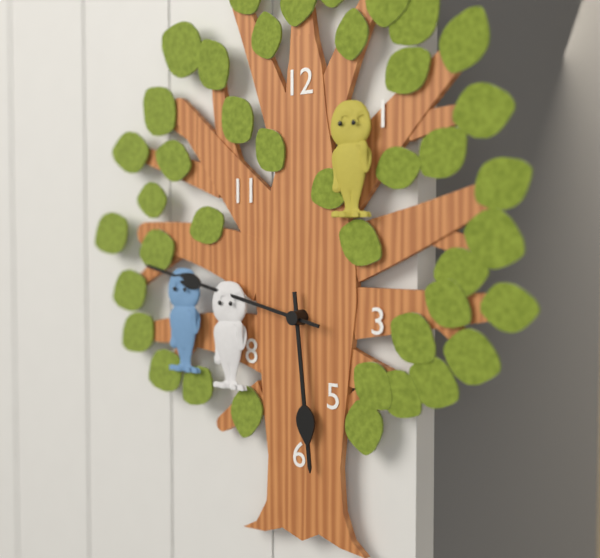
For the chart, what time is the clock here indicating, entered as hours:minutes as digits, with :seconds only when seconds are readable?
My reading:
5:47
